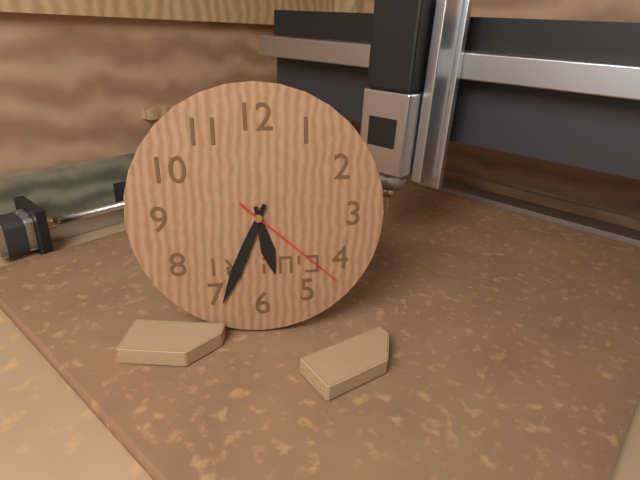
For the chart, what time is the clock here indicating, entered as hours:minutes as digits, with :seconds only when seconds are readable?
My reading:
5:34:22
